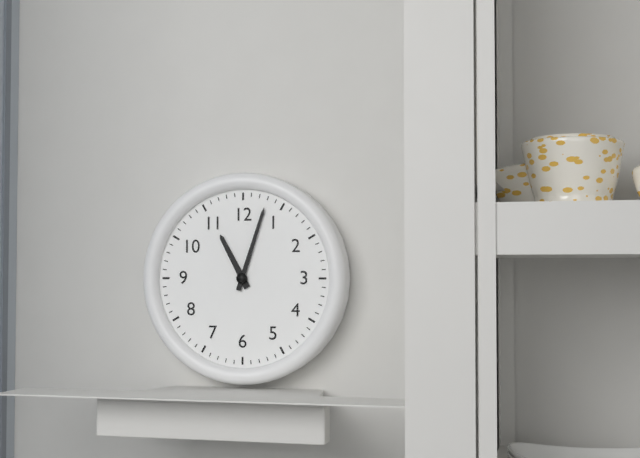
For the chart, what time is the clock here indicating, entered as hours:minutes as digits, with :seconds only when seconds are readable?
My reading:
11:03
